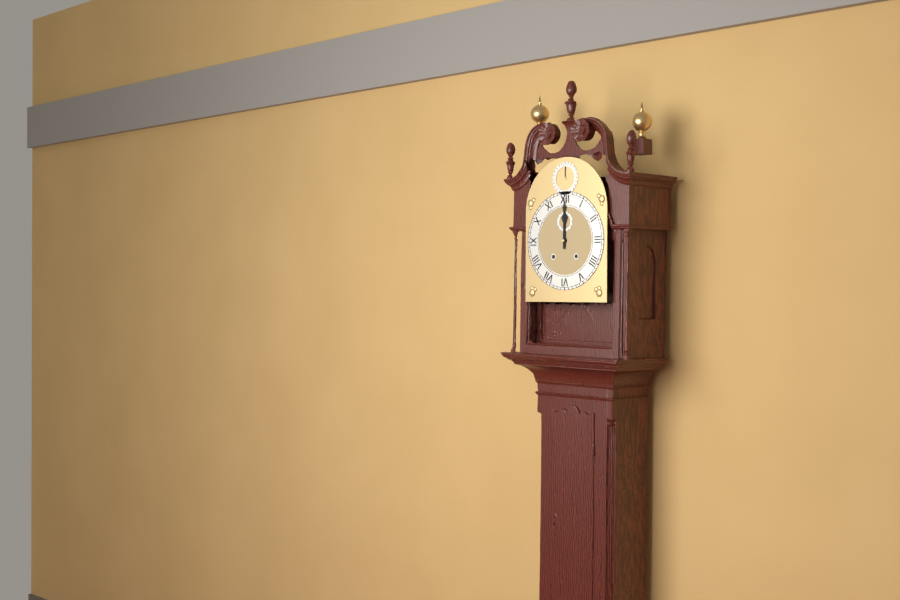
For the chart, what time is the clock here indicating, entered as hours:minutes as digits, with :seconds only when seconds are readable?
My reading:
12:00
